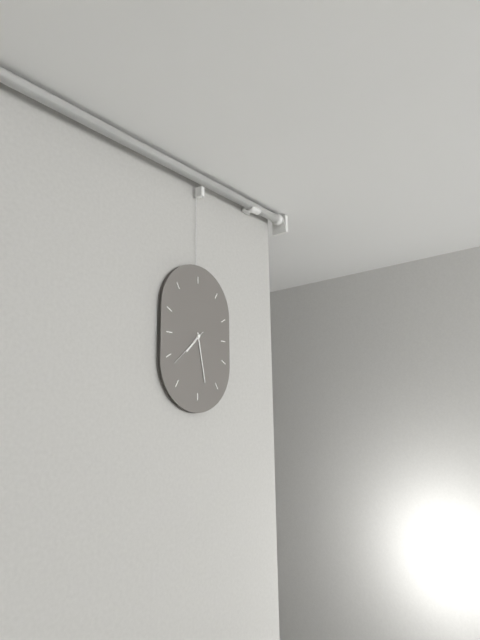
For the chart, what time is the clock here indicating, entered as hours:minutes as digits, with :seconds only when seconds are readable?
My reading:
7:28
